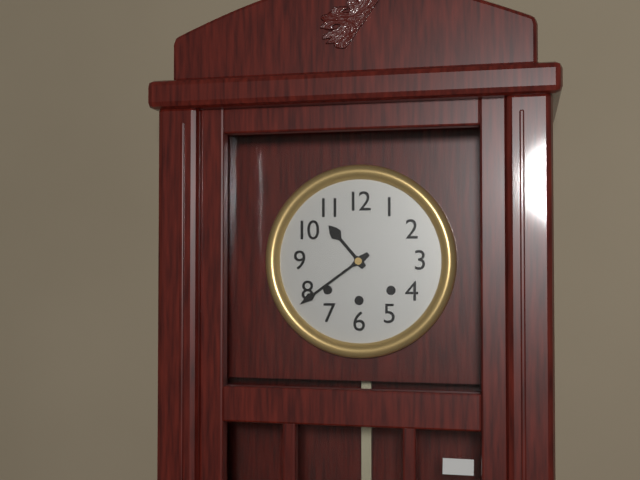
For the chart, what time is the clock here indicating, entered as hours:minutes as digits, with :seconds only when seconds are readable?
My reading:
10:39
